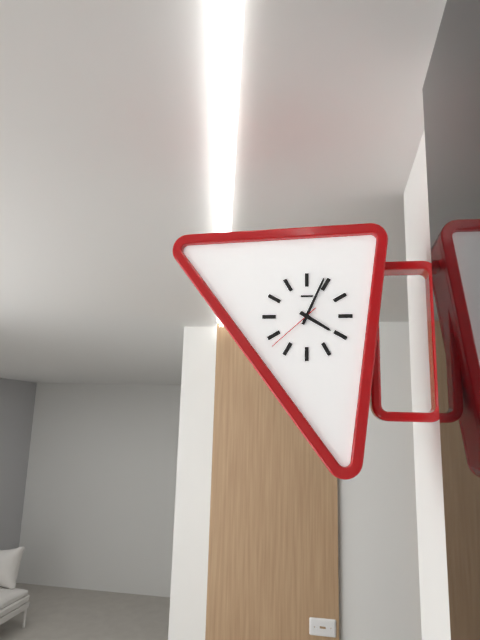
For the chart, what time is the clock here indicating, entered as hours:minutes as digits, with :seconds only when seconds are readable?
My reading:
4:04:38
